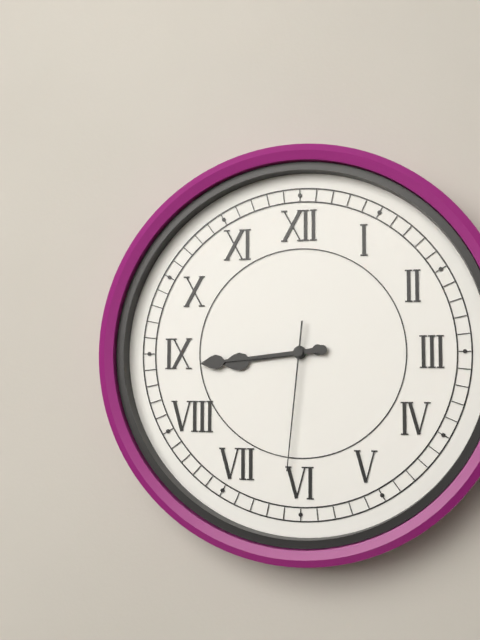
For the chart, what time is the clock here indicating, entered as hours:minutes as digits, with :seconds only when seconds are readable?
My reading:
8:44:31
